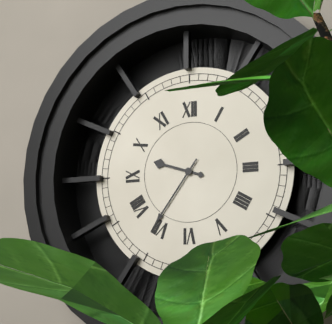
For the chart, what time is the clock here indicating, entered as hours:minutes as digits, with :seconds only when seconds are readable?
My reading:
9:36
